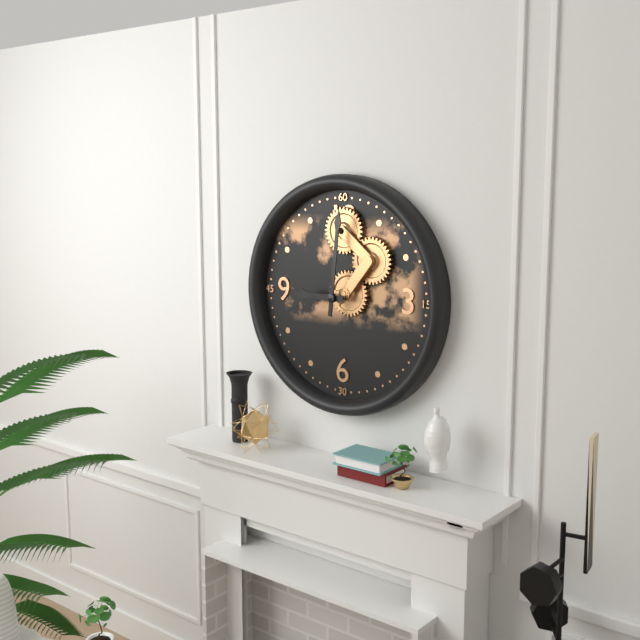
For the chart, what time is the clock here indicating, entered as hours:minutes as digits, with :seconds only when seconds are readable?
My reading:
9:01
